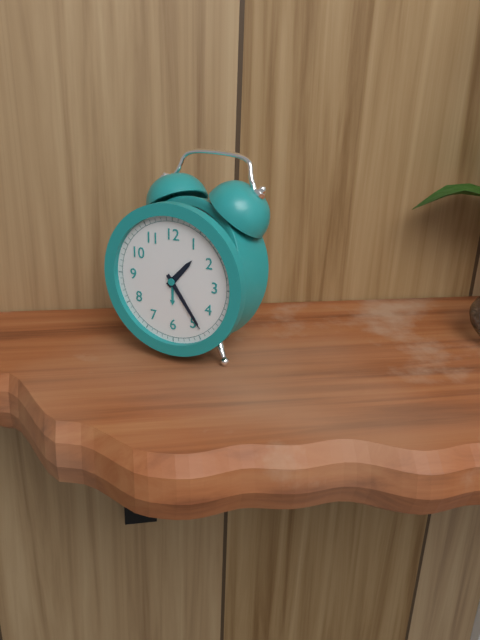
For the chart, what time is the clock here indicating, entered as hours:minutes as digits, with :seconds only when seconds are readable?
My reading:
1:24
